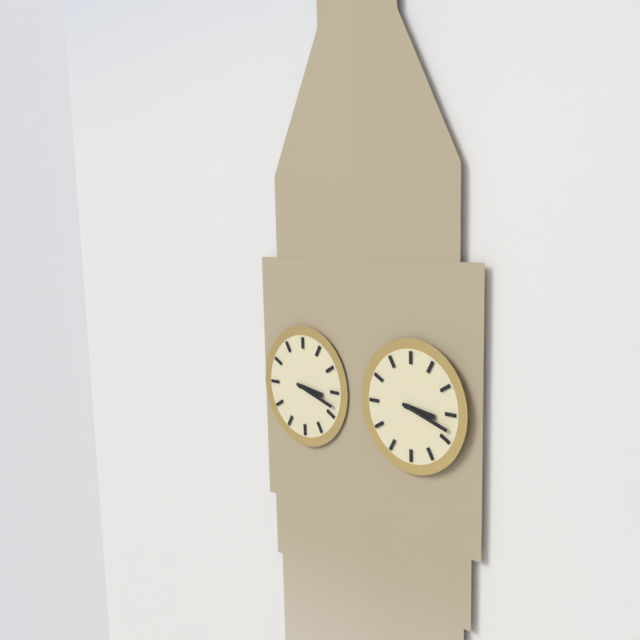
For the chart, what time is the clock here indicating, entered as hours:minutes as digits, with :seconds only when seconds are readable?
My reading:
3:18
